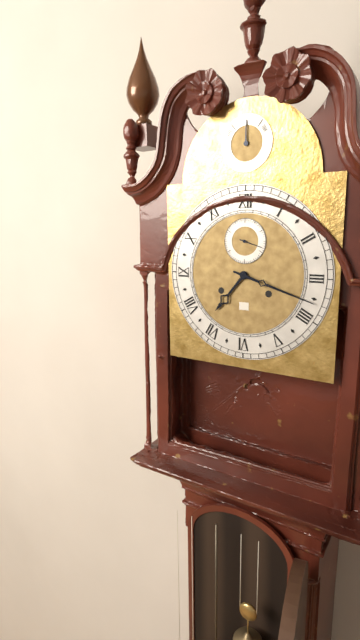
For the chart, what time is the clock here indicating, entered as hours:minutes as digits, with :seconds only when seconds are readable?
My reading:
7:18
